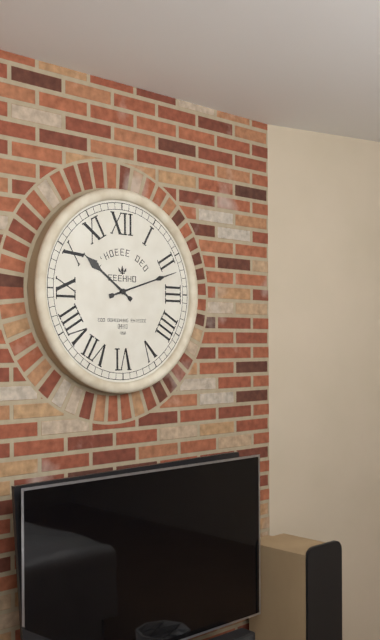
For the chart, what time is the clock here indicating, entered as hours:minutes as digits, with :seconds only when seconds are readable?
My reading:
10:12
